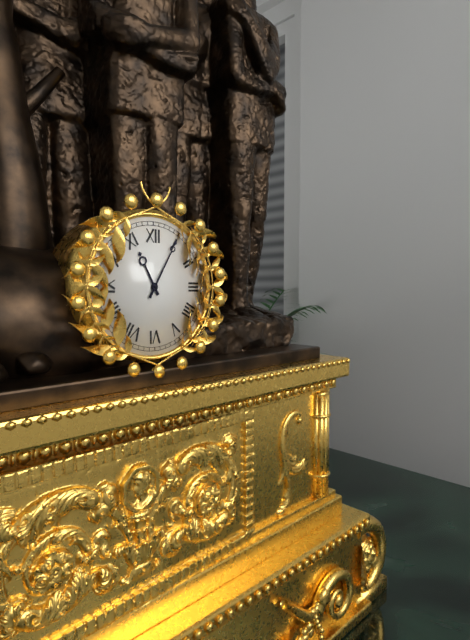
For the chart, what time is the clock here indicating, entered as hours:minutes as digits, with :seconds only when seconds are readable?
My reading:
11:05
